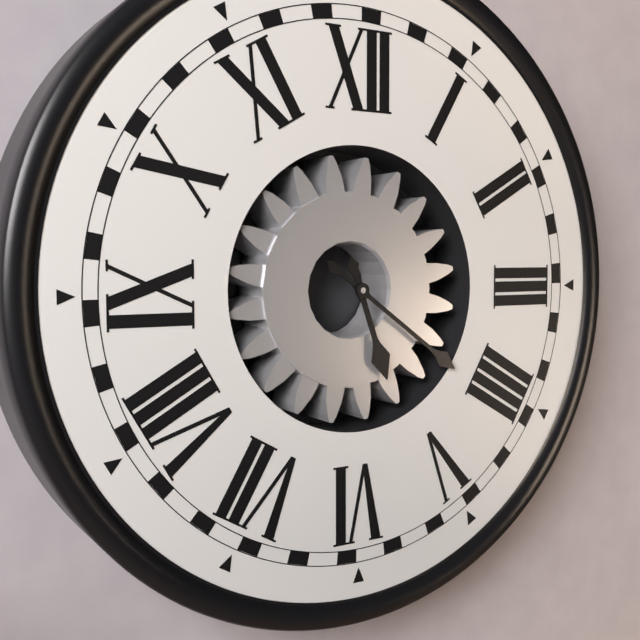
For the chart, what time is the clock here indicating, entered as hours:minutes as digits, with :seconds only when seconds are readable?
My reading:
5:21
